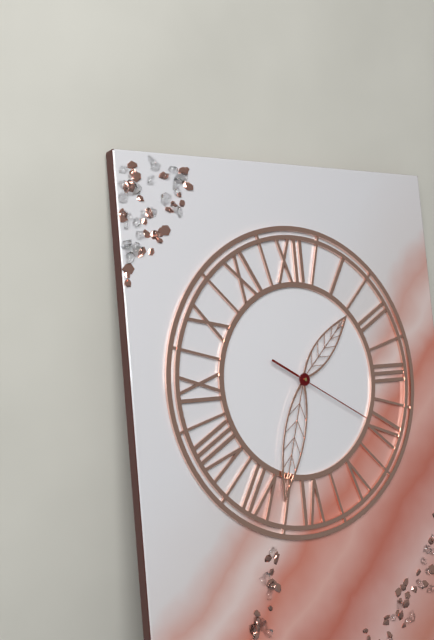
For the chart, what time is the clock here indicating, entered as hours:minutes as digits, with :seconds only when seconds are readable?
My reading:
1:33:20
